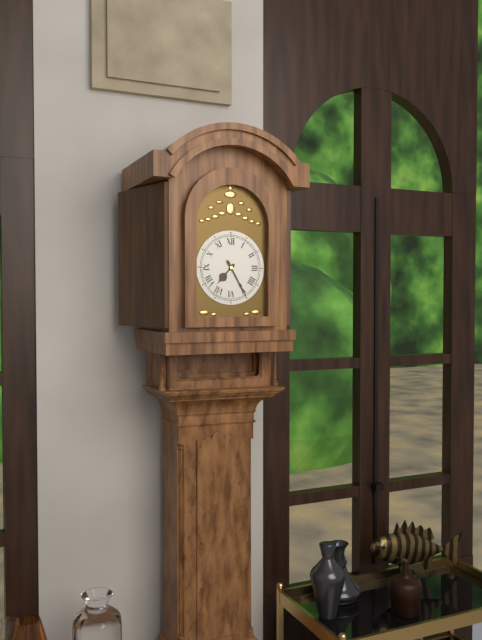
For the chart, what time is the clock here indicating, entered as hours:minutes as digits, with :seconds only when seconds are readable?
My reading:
7:25
